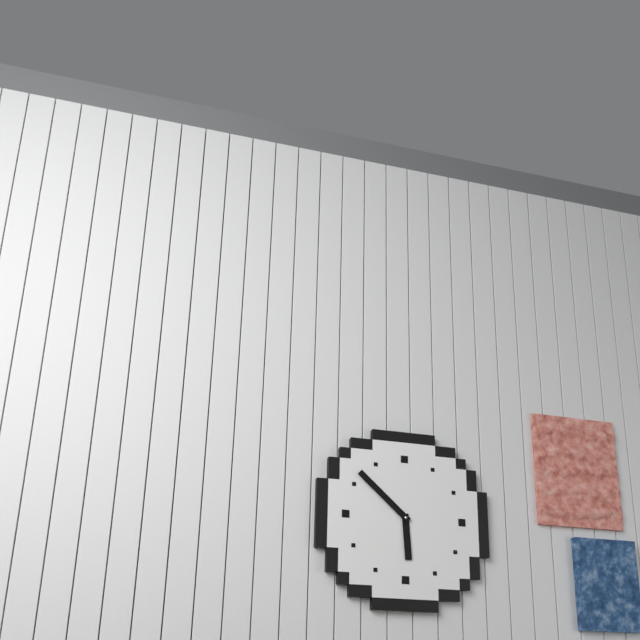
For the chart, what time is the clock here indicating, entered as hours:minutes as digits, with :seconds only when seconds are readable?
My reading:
5:52
